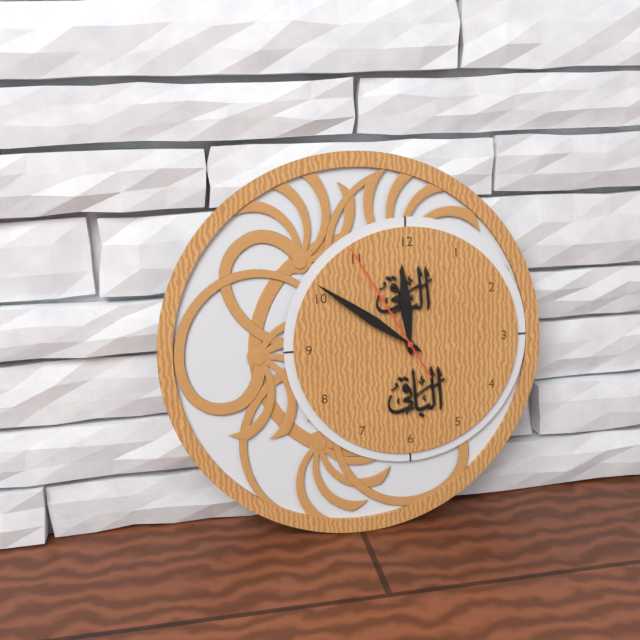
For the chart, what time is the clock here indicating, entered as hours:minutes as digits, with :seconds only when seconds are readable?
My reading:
11:51:55
